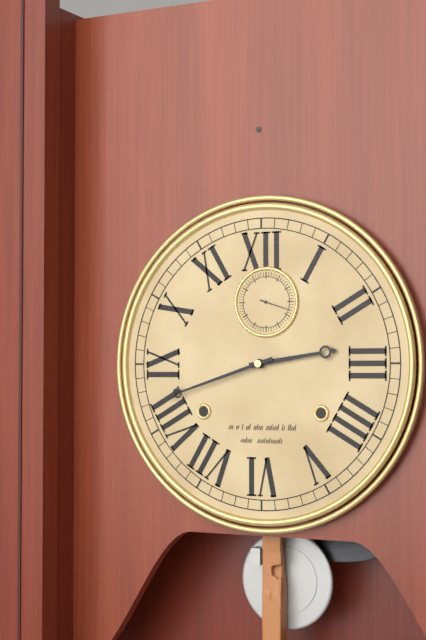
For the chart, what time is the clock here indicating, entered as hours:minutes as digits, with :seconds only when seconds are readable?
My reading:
2:42
